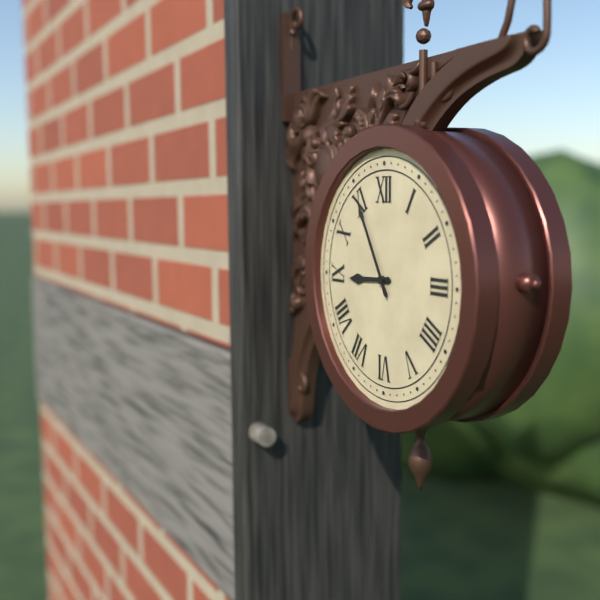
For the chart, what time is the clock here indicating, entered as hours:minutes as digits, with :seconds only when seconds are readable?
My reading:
8:55
